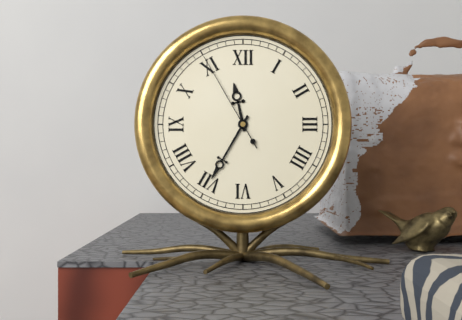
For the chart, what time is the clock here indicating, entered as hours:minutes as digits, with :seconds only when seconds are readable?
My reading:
11:35:55
